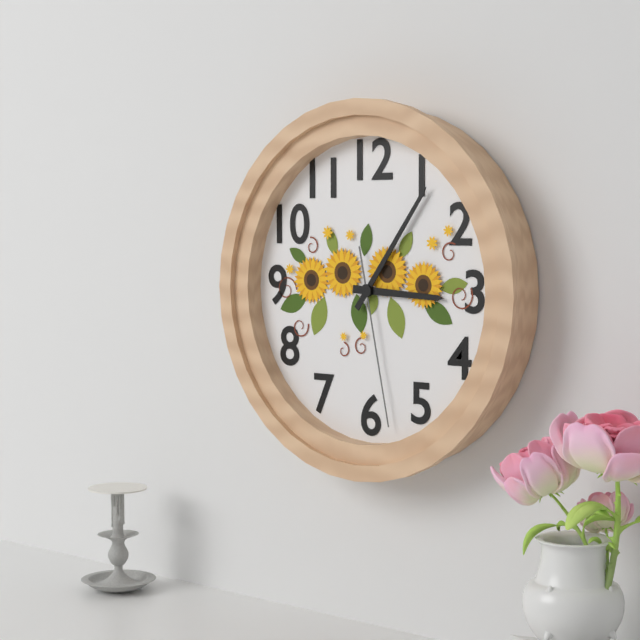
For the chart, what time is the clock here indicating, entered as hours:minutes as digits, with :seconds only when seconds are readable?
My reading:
3:06:28
